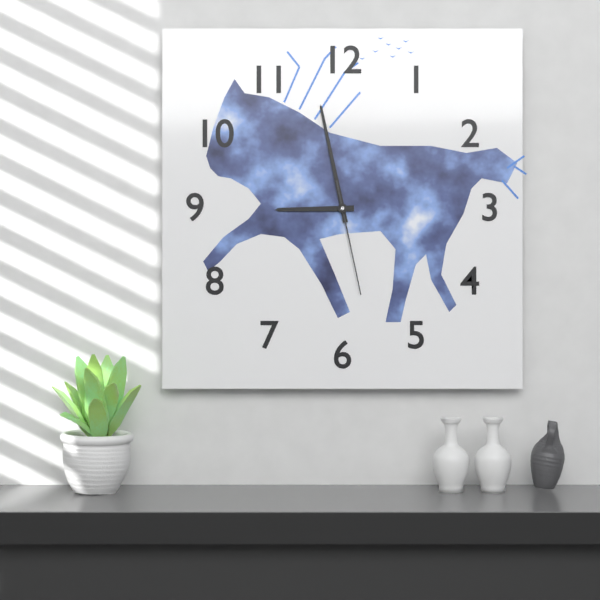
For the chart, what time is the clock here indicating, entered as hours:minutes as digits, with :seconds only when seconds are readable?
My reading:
8:58:28
